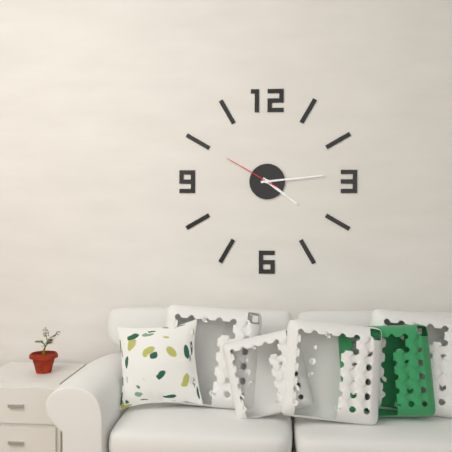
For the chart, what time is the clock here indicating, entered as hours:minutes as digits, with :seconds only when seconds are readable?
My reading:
4:14:50
